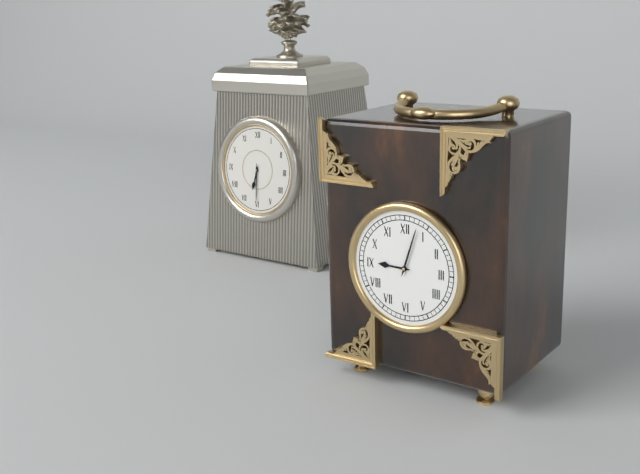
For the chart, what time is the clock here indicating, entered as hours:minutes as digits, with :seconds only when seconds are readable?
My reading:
9:03
